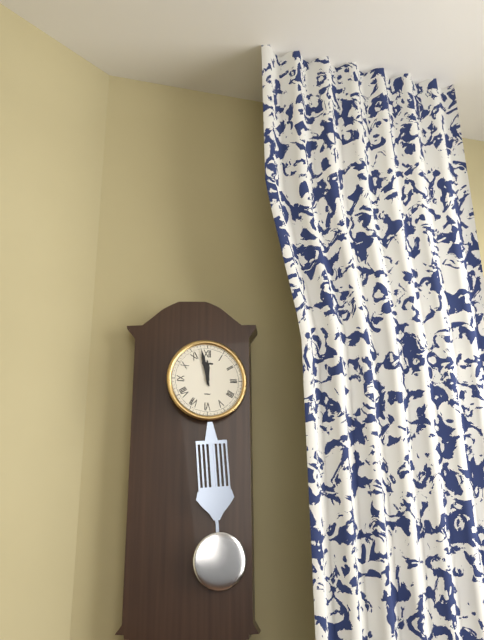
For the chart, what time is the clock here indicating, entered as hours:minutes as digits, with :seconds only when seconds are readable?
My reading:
11:58
